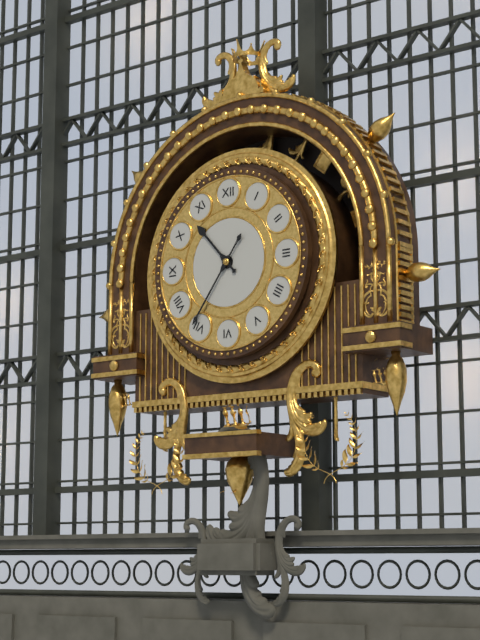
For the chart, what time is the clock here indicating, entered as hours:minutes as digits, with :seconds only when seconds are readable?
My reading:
10:36
